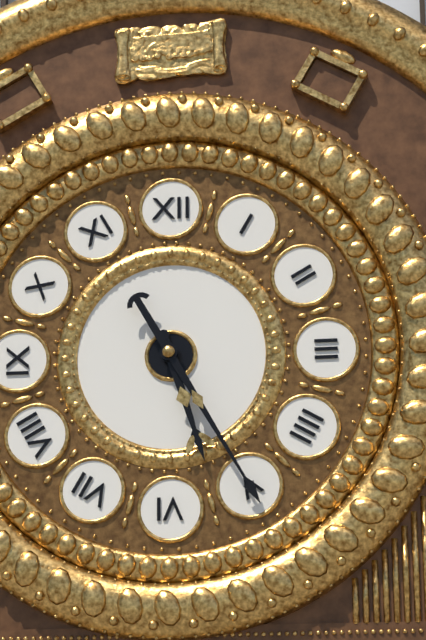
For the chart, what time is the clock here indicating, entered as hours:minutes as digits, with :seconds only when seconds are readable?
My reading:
5:25
